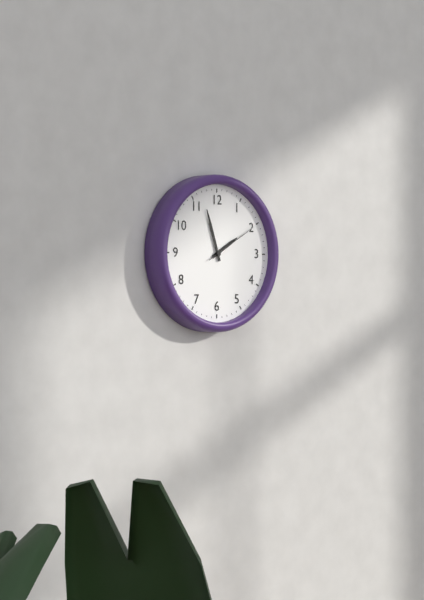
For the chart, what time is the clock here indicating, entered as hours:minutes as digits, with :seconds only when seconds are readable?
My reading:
1:57:10
